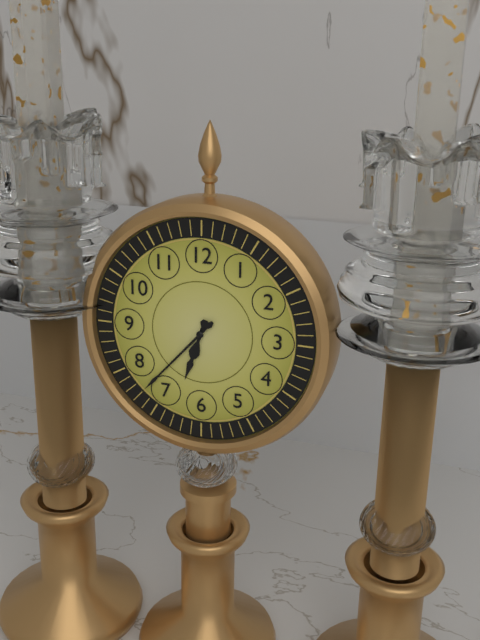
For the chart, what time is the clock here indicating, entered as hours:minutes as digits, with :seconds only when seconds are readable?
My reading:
6:37
